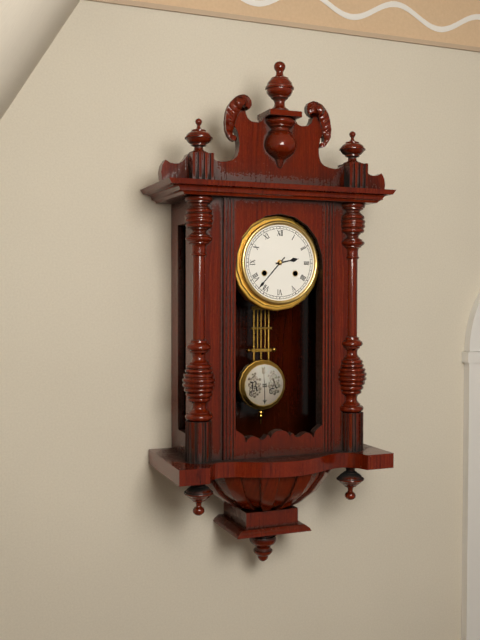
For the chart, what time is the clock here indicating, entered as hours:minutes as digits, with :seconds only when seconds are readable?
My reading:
2:37
